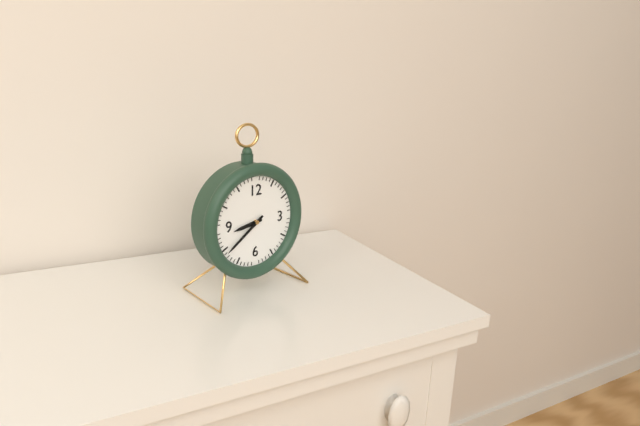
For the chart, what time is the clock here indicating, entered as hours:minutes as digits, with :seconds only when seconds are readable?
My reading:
8:39
